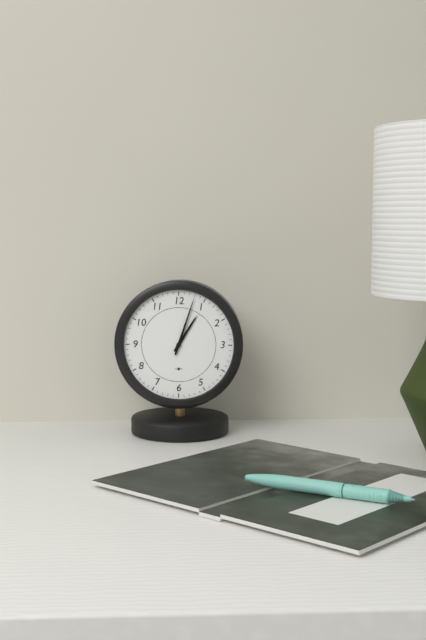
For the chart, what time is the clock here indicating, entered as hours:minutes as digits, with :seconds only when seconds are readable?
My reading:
1:03
